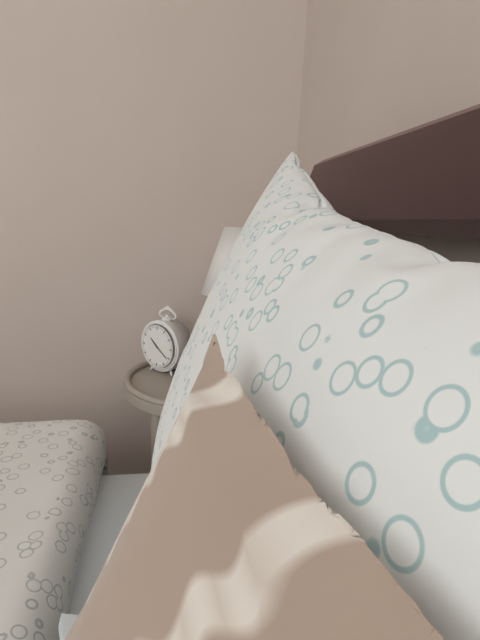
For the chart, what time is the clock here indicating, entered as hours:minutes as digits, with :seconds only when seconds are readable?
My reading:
10:21
